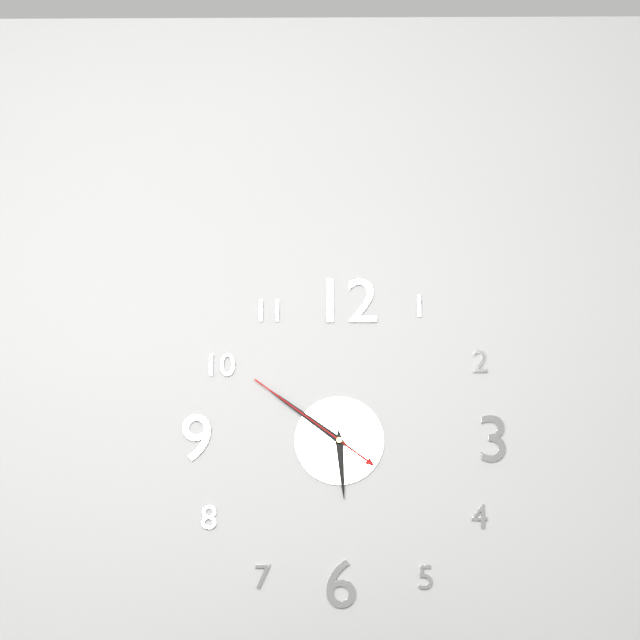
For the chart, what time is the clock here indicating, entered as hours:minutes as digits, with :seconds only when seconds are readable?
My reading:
5:51:51
